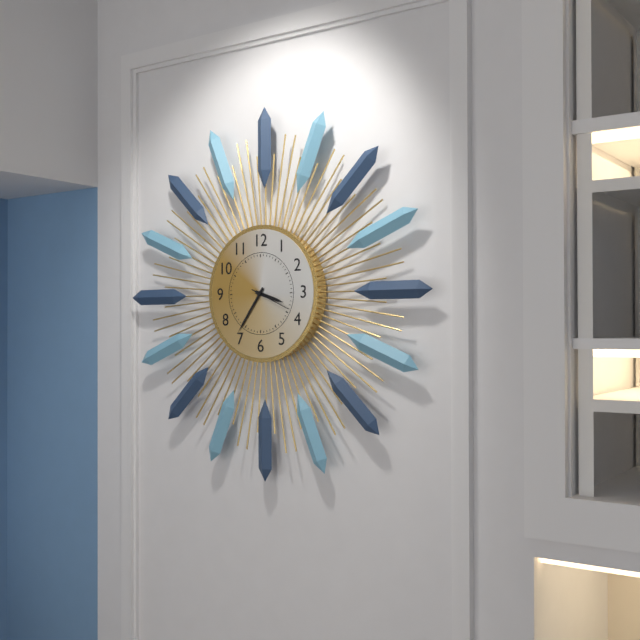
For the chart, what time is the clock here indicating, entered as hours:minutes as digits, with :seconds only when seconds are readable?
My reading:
3:36
